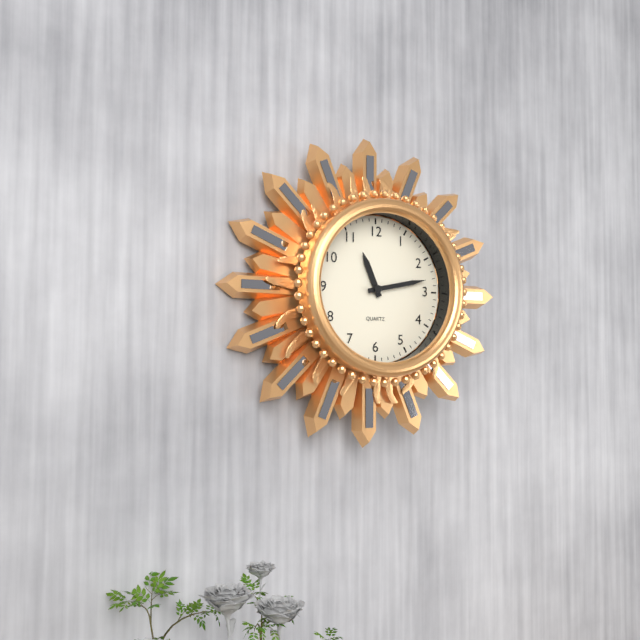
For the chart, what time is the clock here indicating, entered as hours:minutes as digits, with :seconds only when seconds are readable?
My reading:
11:13
